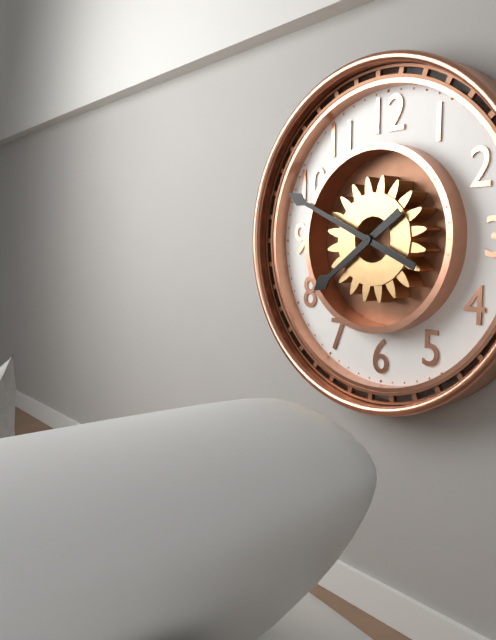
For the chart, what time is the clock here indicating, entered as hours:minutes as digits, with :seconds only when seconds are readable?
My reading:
7:49
